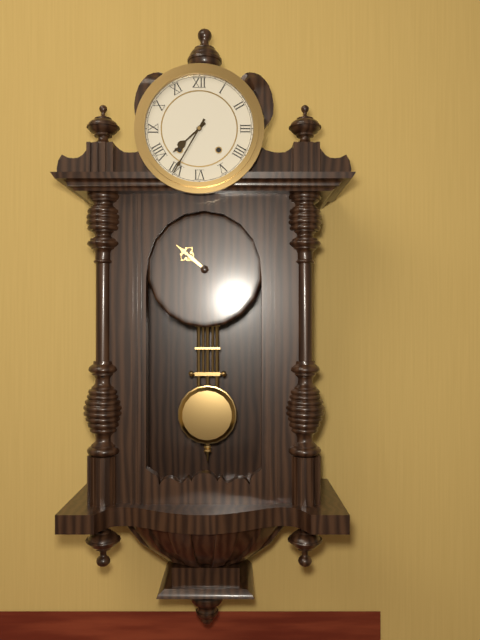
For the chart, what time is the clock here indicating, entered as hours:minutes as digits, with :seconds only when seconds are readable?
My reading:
7:35
